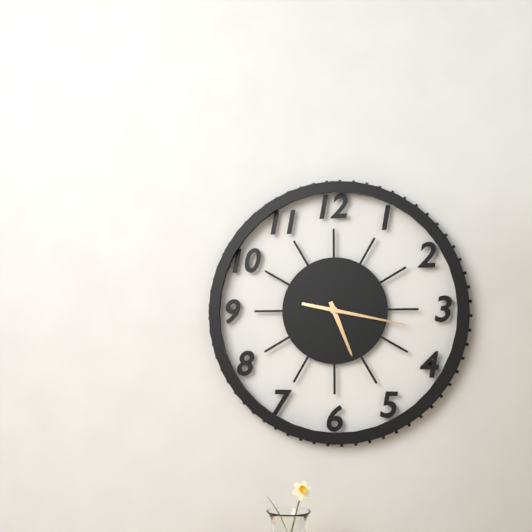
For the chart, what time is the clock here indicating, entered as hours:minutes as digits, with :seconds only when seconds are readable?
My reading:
5:17
